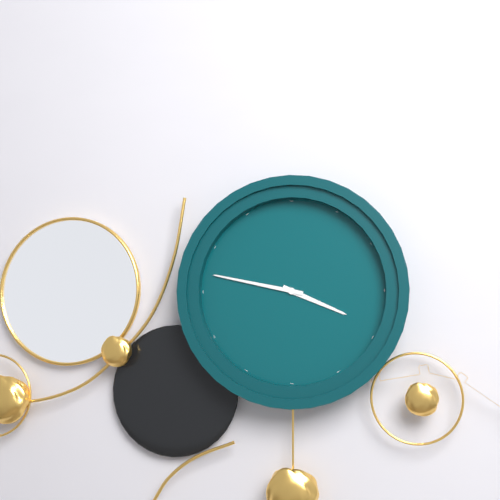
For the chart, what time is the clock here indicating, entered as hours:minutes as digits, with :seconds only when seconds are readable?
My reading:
3:47
